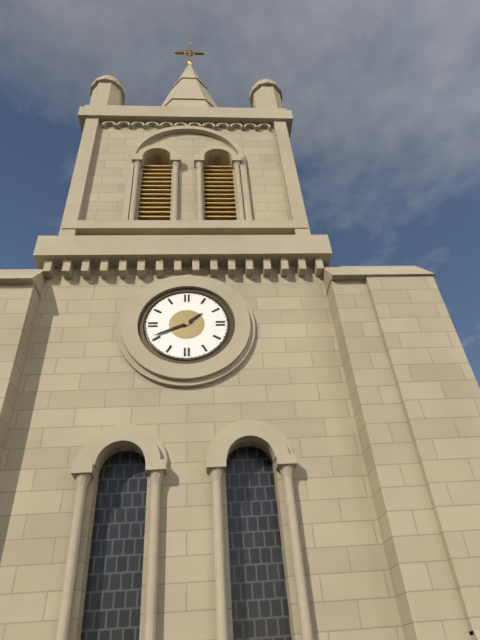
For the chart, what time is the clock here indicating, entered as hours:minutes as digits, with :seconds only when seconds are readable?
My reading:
1:41
